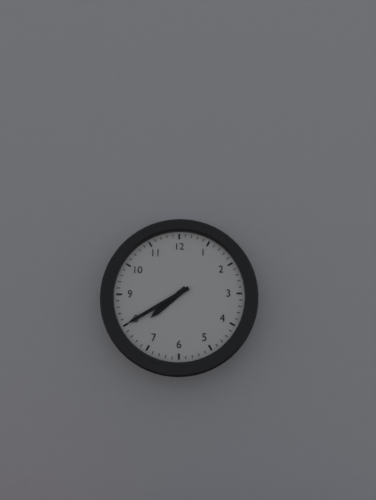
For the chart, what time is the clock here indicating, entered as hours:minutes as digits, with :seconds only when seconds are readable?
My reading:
7:40
